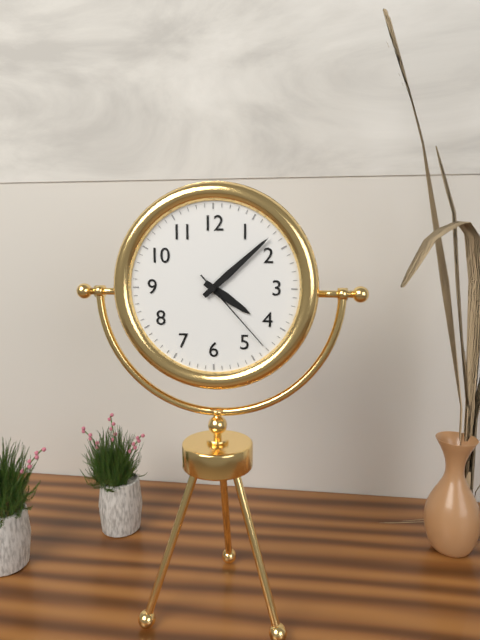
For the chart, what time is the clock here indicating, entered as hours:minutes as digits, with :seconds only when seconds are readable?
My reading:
4:08:23
